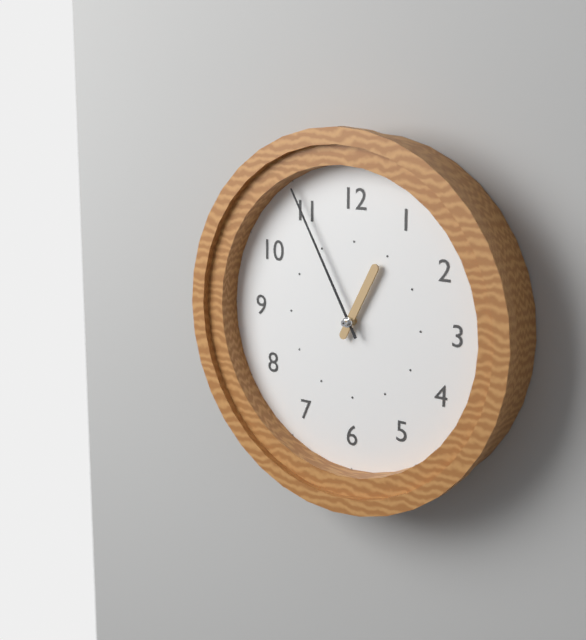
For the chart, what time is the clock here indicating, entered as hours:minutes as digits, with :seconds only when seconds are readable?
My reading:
12:55
